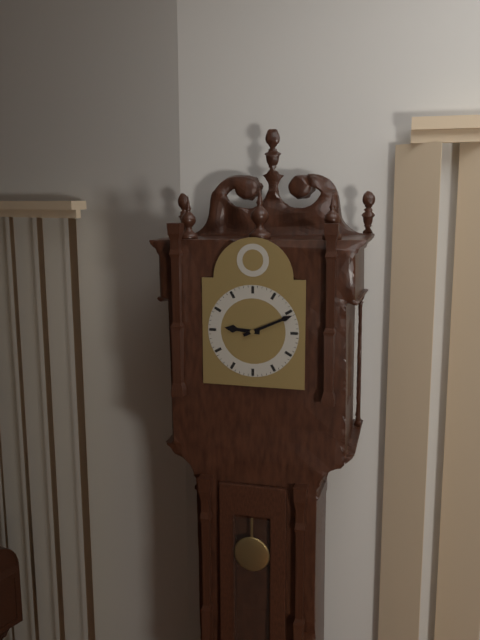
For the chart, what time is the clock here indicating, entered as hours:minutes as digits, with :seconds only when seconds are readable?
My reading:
9:11
